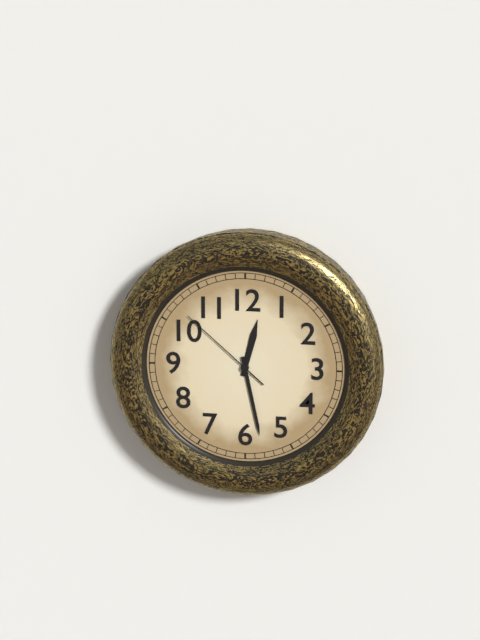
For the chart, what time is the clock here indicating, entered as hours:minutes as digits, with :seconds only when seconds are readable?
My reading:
12:28:52
